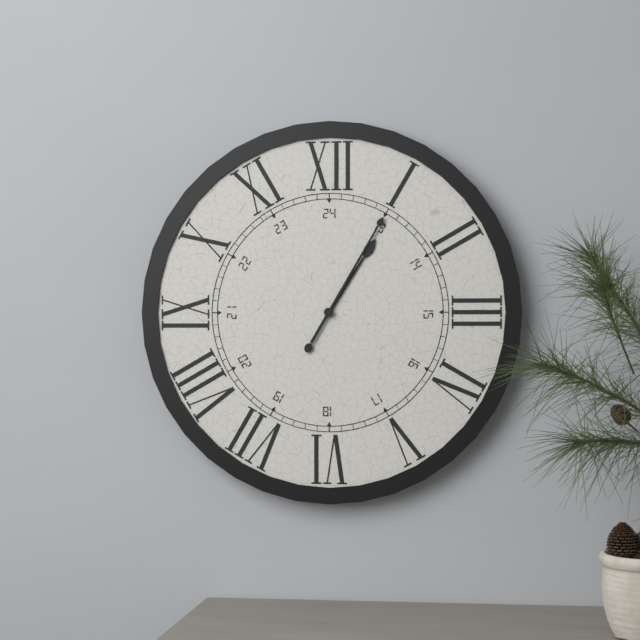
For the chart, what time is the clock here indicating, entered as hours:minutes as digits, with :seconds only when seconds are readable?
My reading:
1:05
